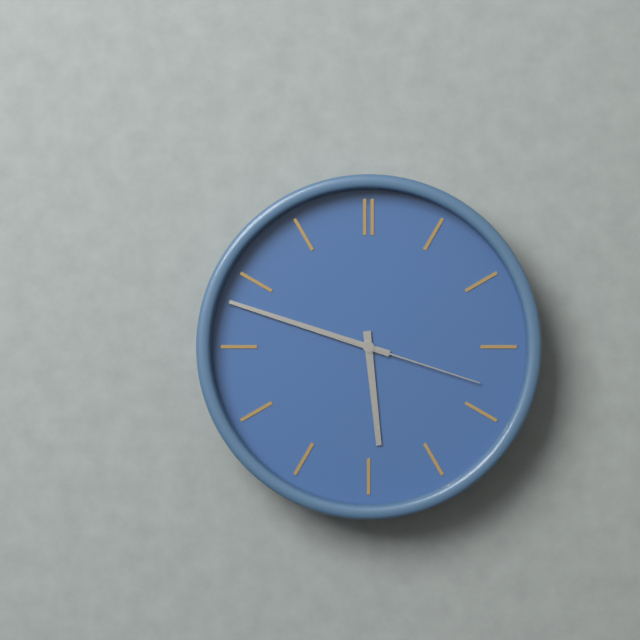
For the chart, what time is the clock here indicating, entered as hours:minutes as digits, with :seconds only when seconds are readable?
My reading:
5:48:18
